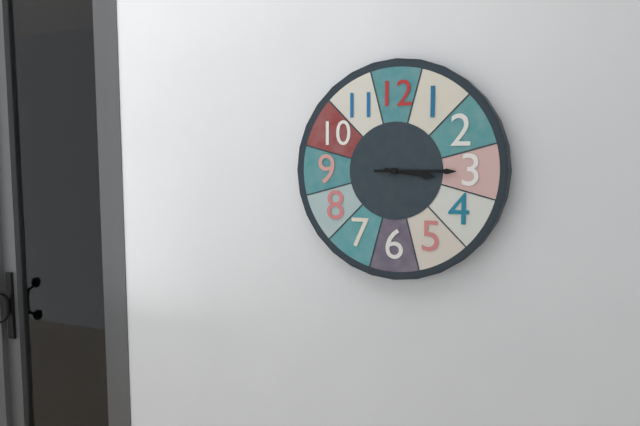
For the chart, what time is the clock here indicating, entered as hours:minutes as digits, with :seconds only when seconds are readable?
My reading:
3:15
